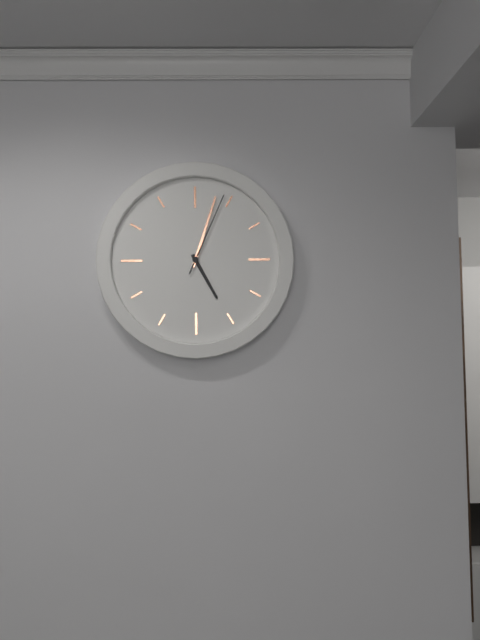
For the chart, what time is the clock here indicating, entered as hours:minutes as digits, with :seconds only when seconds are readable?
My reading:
5:03:04
